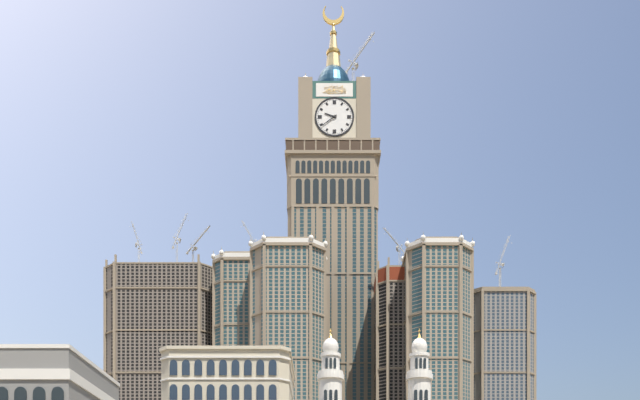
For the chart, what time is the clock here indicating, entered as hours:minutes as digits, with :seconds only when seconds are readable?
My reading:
9:39
